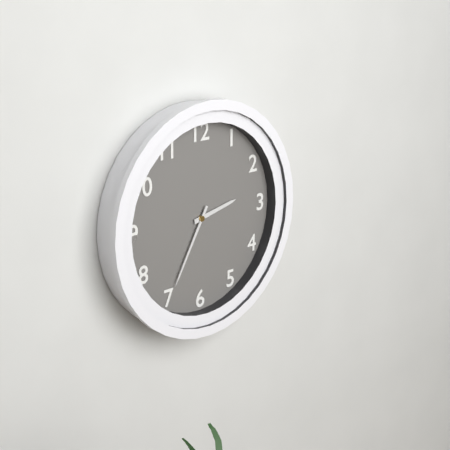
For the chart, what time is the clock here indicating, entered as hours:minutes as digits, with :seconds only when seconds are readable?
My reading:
2:35
